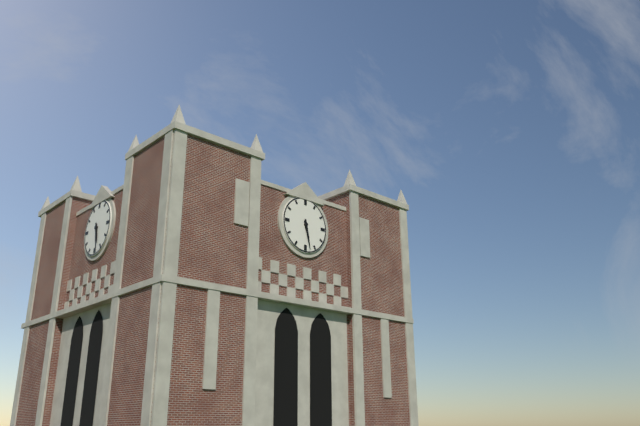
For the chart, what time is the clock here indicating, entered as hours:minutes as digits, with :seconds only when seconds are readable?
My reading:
5:28
